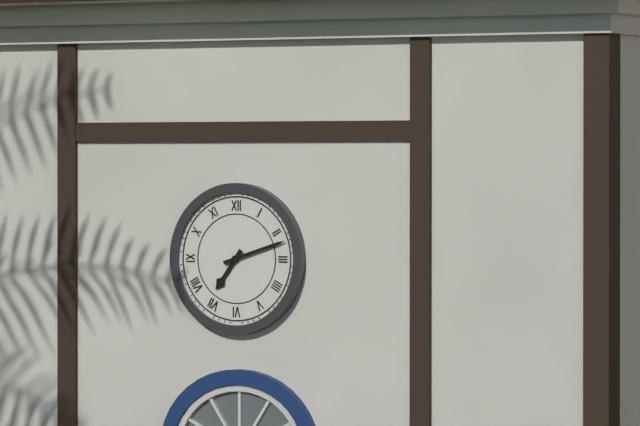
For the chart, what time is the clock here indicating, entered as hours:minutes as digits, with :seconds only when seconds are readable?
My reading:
7:12
